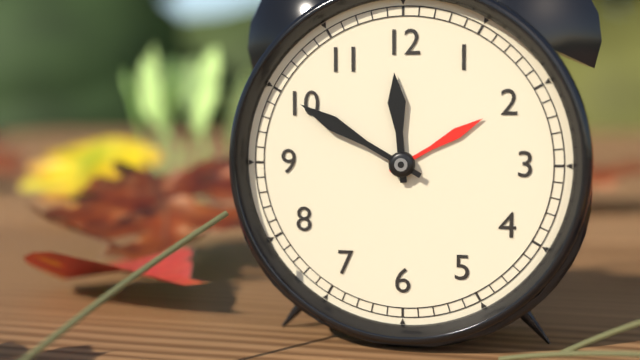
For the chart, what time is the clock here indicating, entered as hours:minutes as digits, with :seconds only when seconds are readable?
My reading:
11:50
